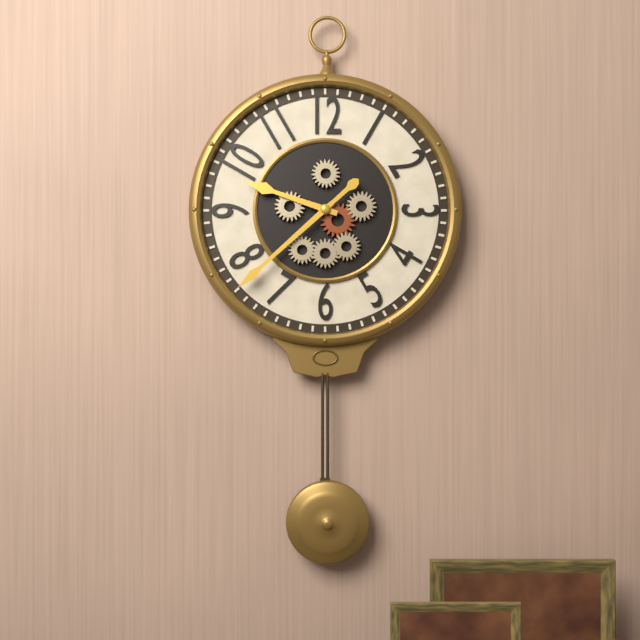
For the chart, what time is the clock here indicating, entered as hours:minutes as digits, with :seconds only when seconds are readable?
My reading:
9:38
